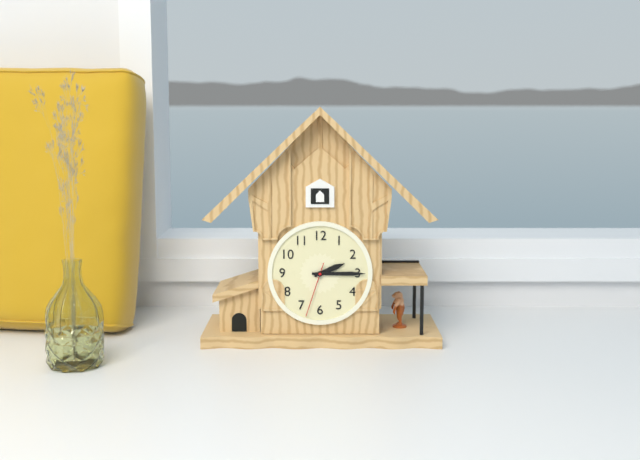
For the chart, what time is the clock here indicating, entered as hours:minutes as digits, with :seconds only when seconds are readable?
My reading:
2:15:33
